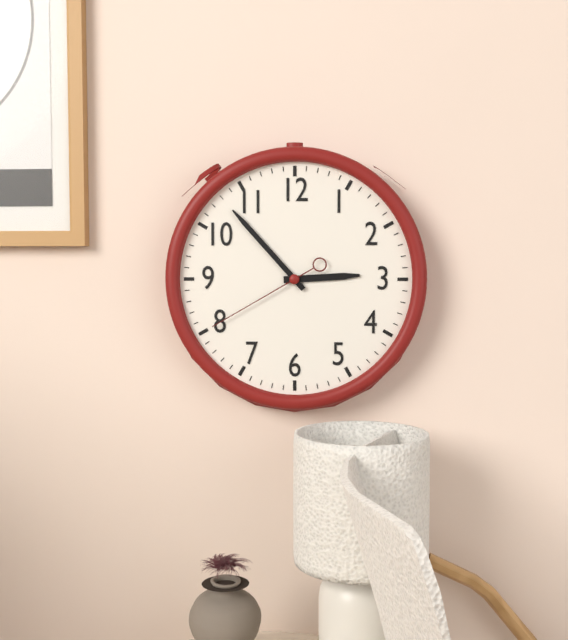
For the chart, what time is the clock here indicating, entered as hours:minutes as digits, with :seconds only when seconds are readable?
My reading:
2:53:40
